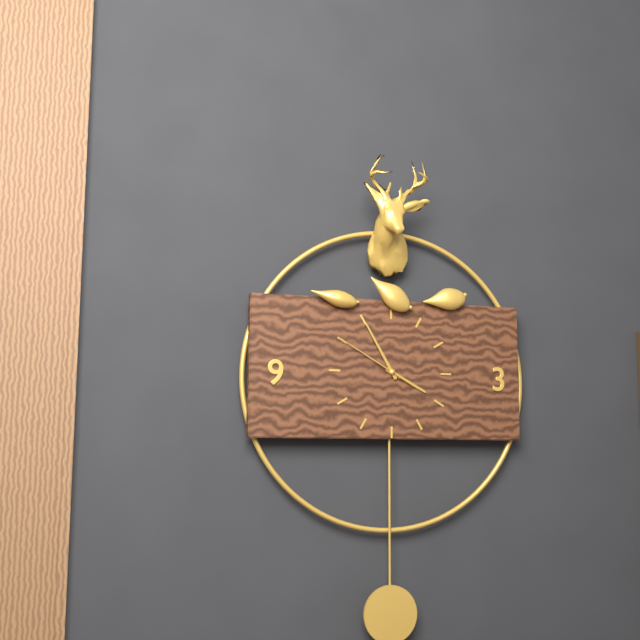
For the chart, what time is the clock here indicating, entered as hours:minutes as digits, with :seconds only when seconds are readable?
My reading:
3:55:50
